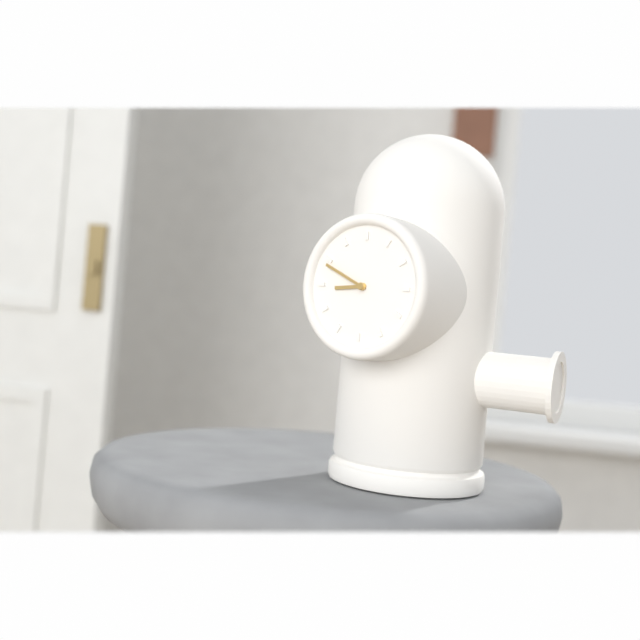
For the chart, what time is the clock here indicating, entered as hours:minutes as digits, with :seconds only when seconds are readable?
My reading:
8:49
